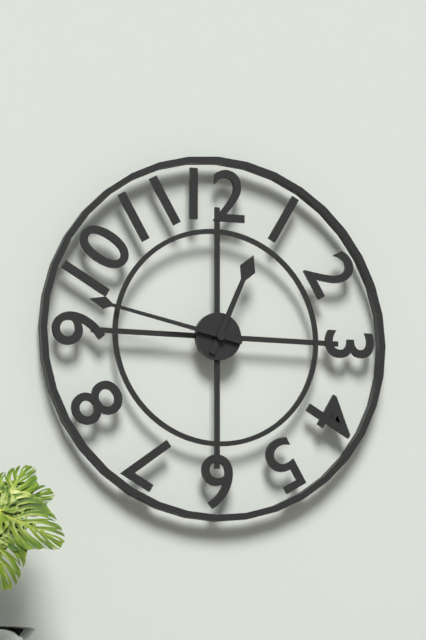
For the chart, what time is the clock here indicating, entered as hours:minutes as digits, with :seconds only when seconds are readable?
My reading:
12:47
